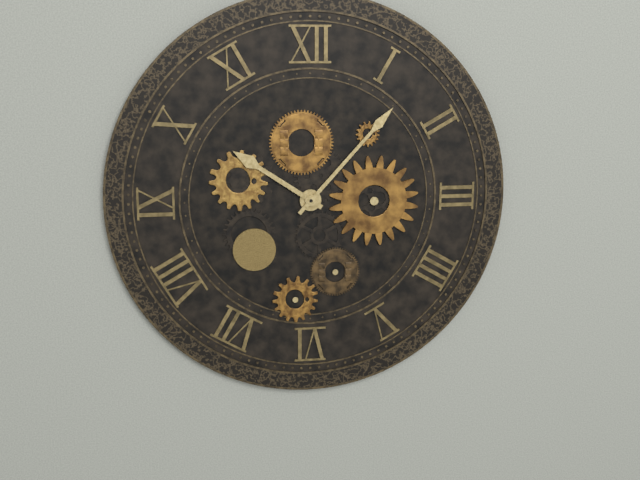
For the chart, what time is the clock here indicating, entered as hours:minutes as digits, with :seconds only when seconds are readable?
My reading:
10:07
